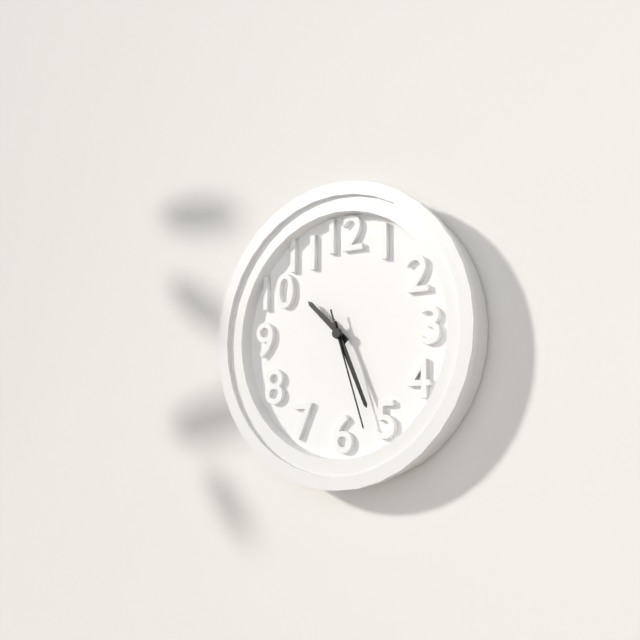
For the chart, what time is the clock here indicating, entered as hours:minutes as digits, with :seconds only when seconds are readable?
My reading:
10:26:27
